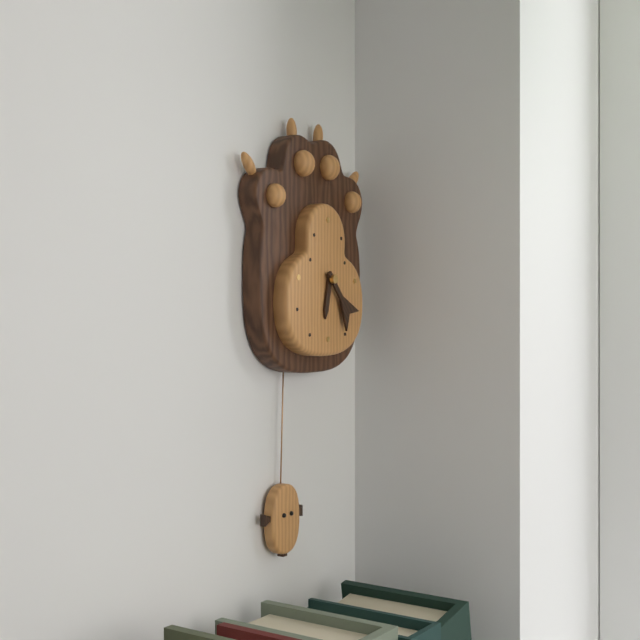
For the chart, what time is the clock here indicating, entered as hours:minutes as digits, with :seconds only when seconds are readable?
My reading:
6:23
